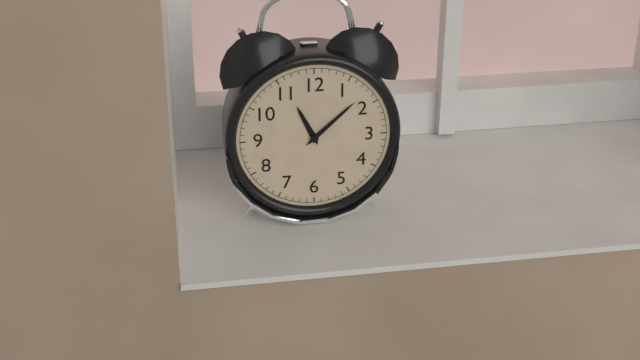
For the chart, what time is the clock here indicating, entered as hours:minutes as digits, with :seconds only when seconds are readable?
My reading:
11:08
